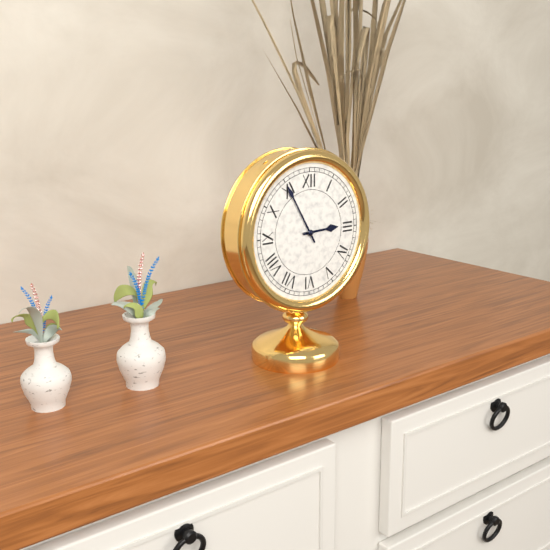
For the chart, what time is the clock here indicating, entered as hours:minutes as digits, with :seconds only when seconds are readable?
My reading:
2:55
